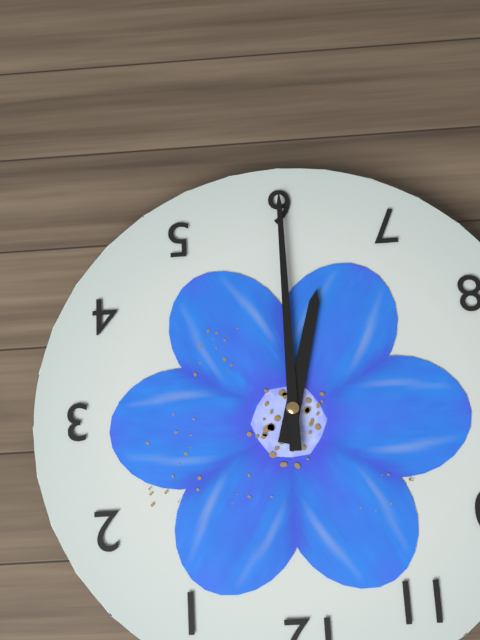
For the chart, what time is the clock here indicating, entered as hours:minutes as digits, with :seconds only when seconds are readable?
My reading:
6:30
